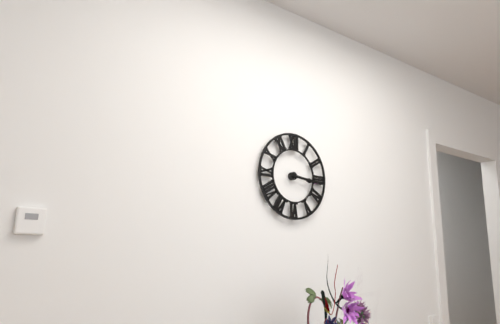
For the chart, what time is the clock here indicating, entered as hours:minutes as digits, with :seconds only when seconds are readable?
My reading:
3:16
